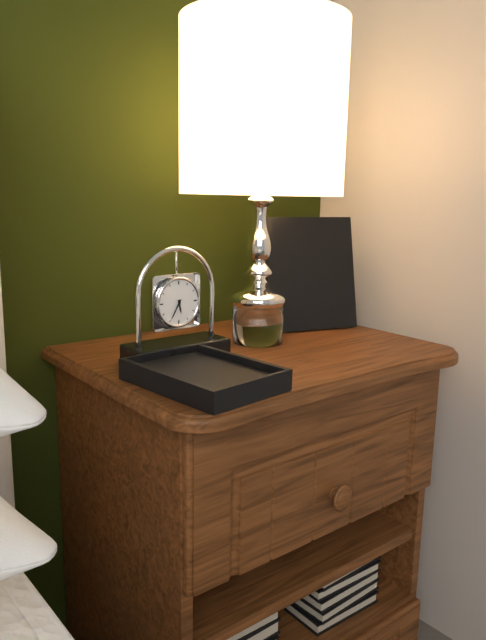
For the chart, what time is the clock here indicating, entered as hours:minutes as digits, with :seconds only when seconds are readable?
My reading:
5:35
